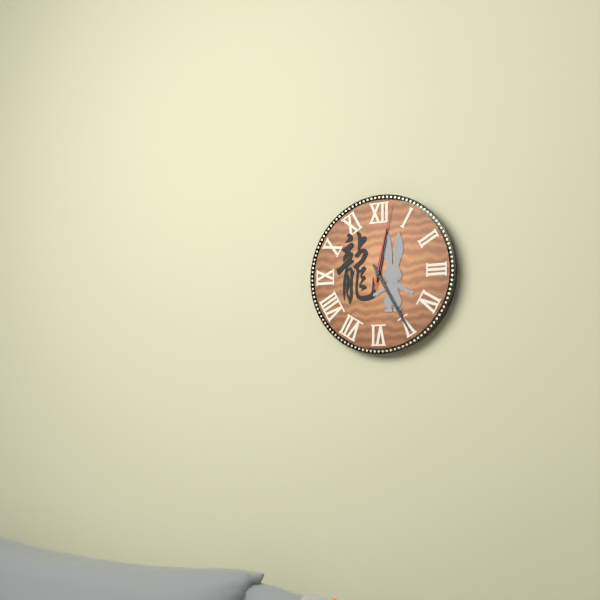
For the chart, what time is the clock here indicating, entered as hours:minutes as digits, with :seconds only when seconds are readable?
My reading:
12:25:02
